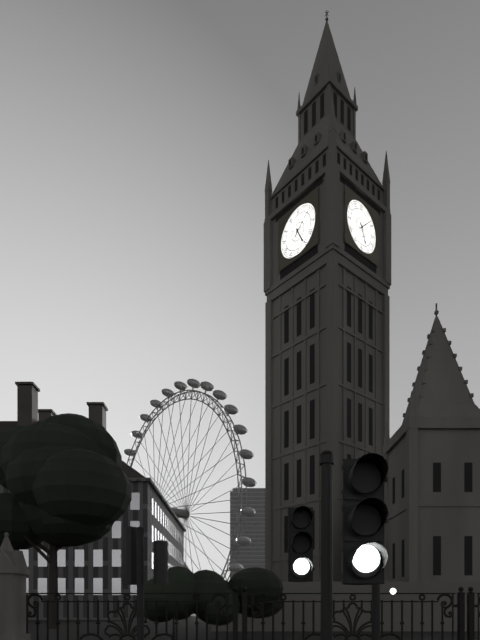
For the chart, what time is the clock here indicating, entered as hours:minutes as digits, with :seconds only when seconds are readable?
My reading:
5:08
